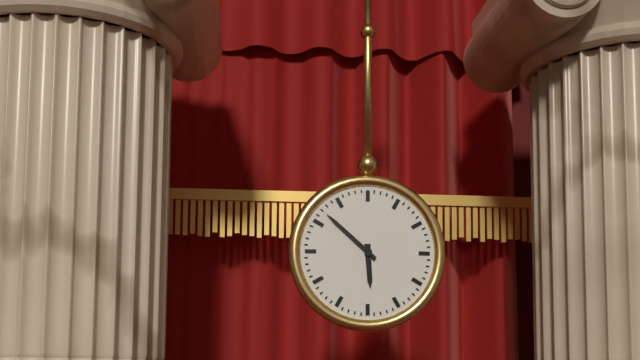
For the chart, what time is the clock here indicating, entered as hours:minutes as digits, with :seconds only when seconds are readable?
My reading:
5:52
